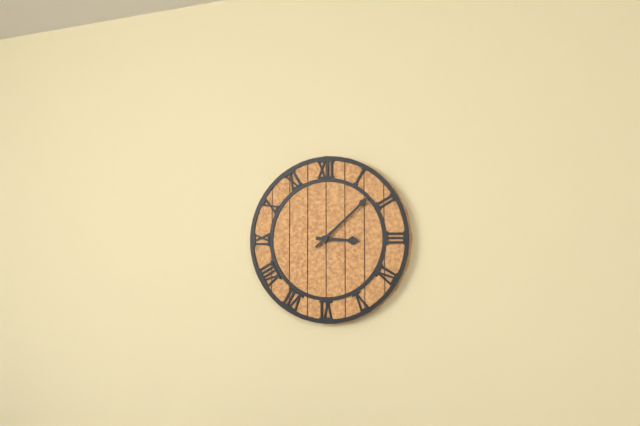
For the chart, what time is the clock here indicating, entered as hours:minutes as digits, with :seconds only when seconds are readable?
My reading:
3:08
